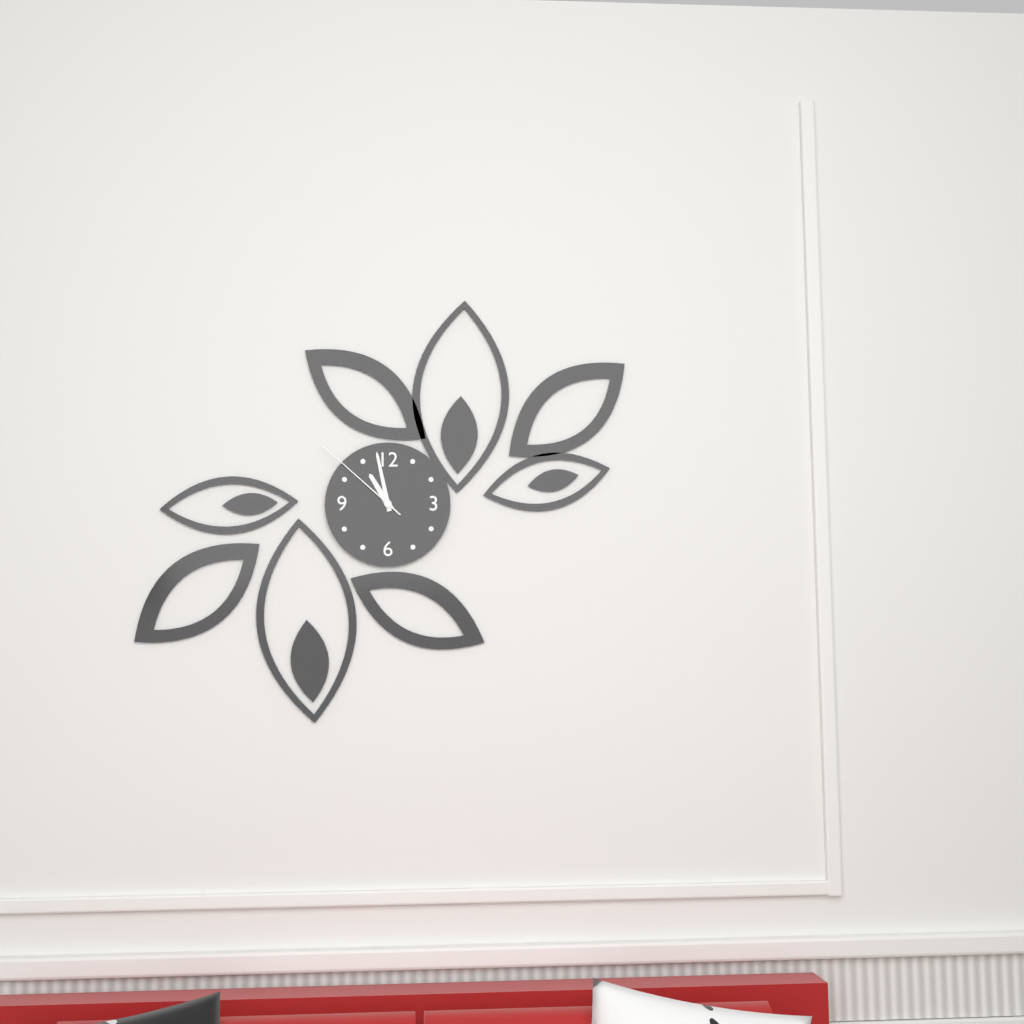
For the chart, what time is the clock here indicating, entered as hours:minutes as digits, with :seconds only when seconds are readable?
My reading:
10:58:52
